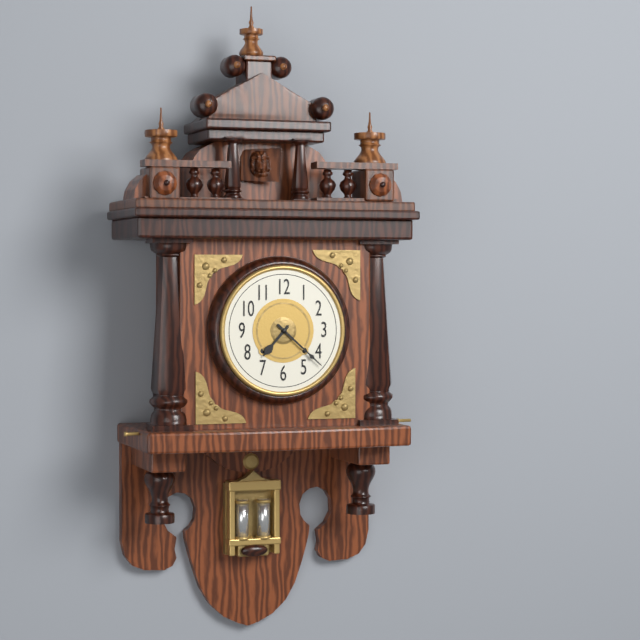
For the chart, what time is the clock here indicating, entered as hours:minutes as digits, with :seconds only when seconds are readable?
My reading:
7:22
